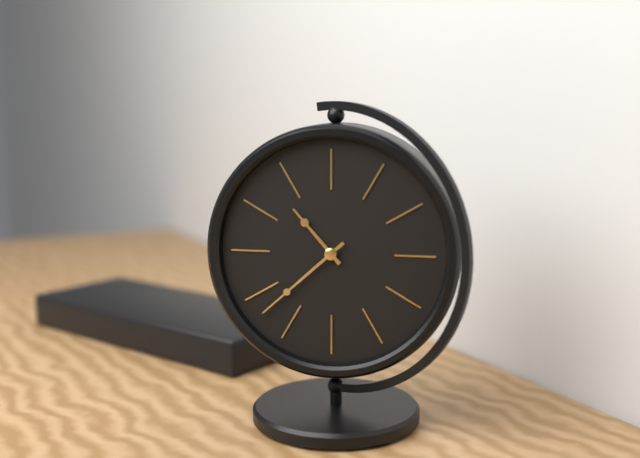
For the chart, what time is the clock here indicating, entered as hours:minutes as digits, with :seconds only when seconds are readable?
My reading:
10:38
